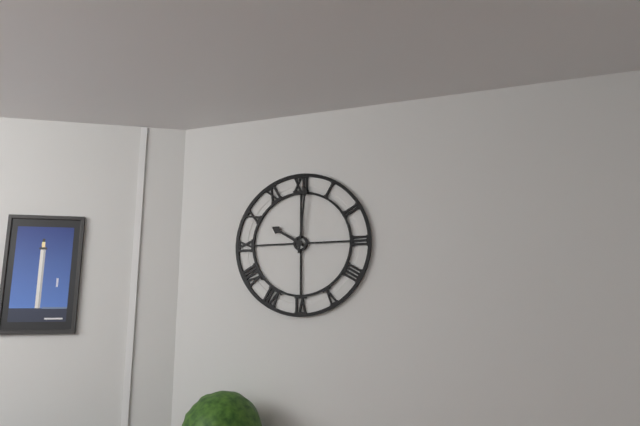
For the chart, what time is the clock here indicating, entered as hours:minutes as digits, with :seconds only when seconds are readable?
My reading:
10:01
